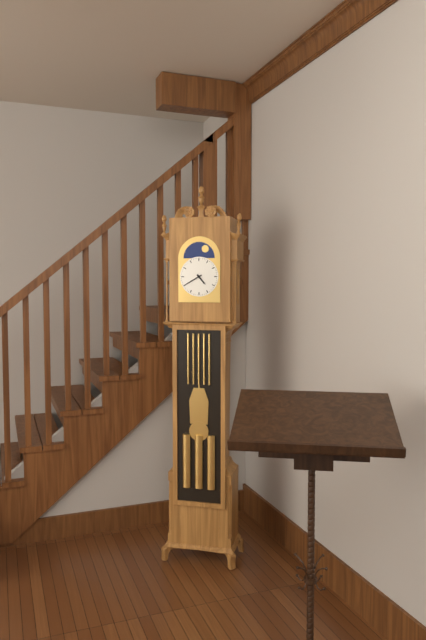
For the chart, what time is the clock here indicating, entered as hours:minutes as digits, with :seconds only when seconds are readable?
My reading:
4:40
